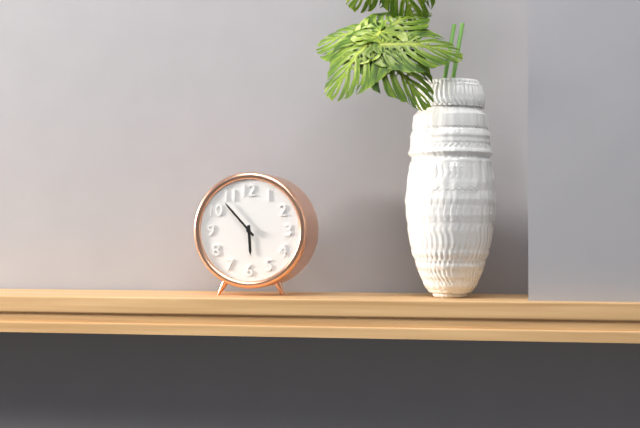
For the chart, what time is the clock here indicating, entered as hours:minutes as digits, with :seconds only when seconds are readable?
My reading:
5:53
